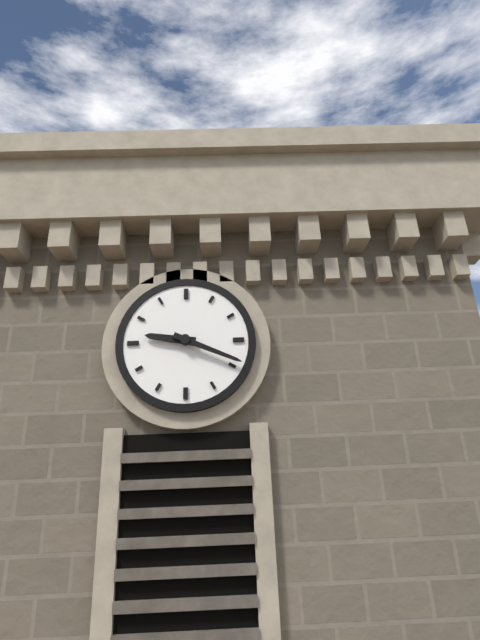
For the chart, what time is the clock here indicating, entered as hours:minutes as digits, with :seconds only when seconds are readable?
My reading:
9:19
